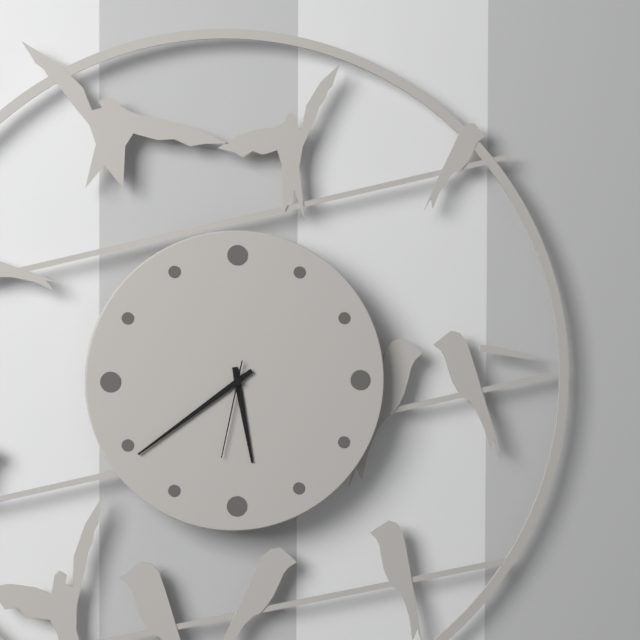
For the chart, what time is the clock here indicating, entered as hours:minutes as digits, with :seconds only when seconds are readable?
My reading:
5:39:32
